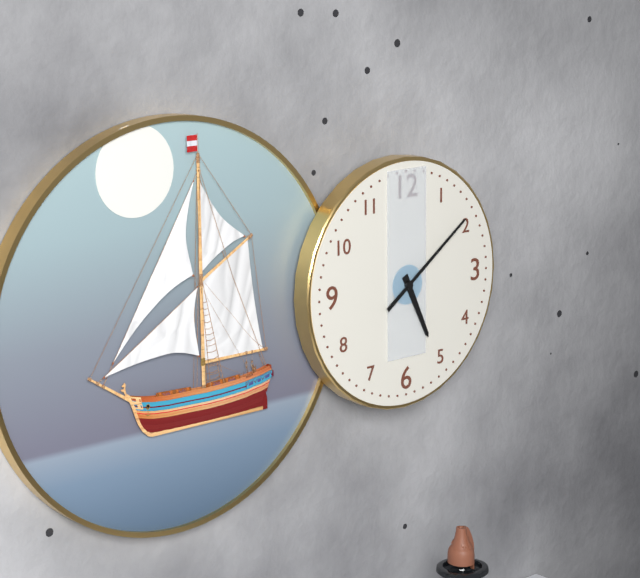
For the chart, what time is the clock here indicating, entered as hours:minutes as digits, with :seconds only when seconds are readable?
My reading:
5:09
